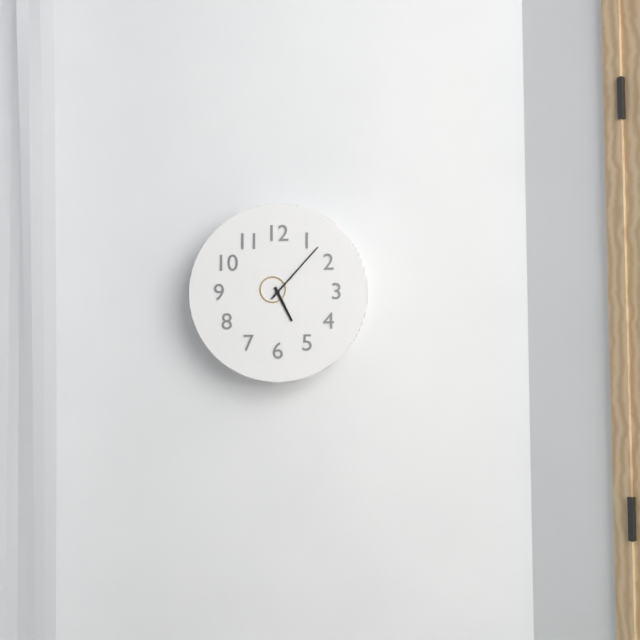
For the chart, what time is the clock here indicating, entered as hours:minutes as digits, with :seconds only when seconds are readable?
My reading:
5:07
